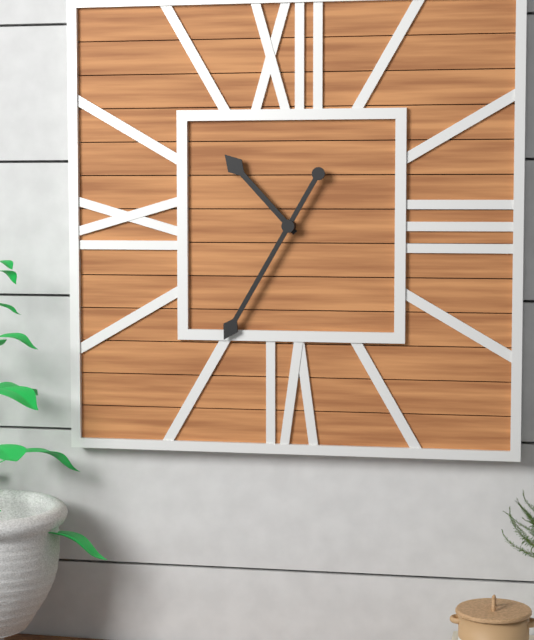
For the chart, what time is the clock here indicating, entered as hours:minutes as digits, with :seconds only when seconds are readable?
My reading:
10:35
